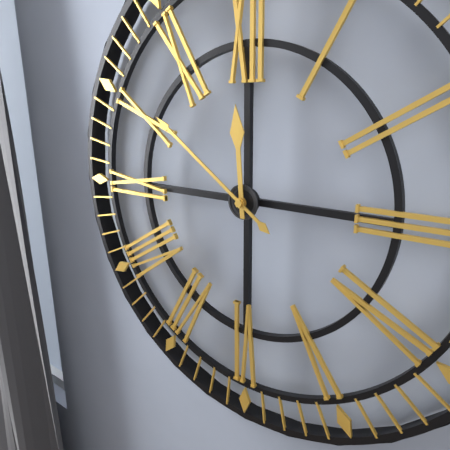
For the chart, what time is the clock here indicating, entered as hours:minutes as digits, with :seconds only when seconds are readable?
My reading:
11:51
